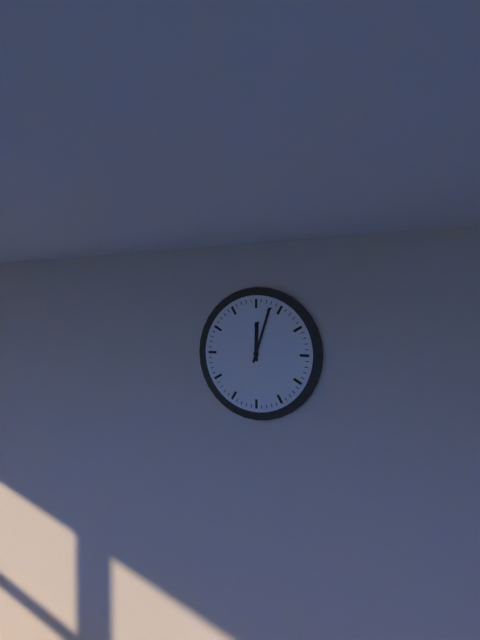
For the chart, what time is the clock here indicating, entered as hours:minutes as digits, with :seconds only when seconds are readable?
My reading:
12:03
